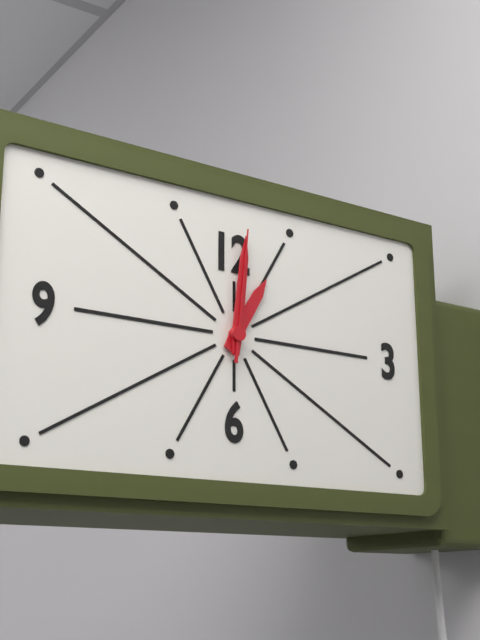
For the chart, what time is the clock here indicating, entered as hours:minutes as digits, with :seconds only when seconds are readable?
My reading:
1:01:01
